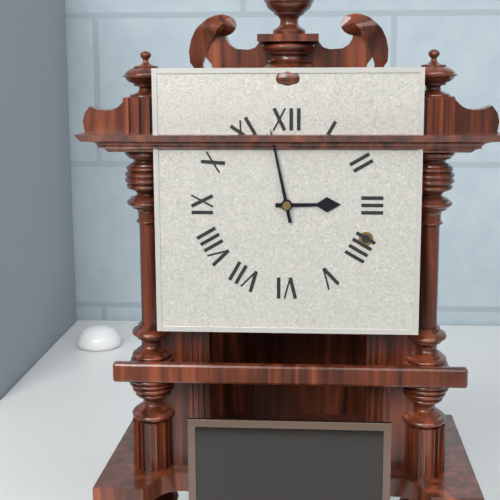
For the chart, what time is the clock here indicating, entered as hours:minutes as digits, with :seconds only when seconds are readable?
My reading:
2:58
